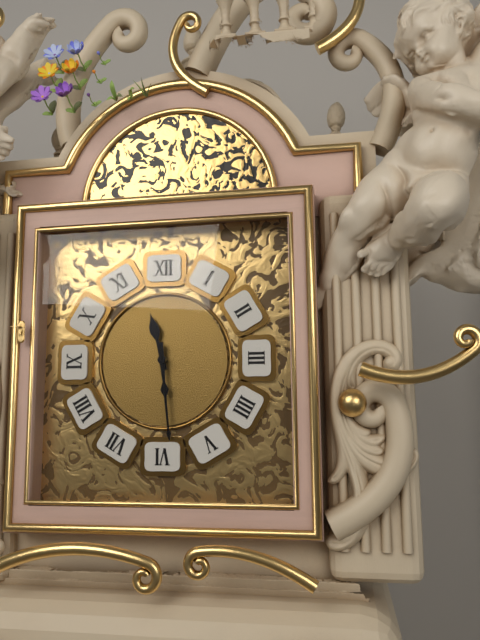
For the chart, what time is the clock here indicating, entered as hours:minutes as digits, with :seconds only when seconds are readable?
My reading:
11:29
